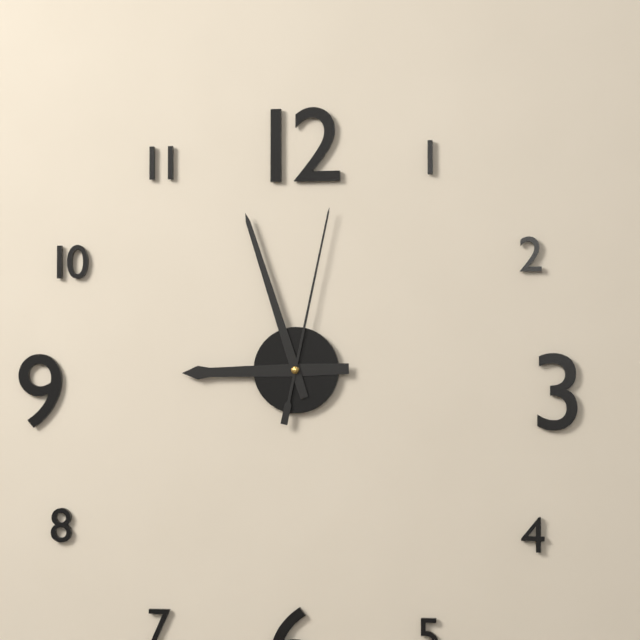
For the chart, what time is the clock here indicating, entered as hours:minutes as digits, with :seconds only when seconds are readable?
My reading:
8:57:02
